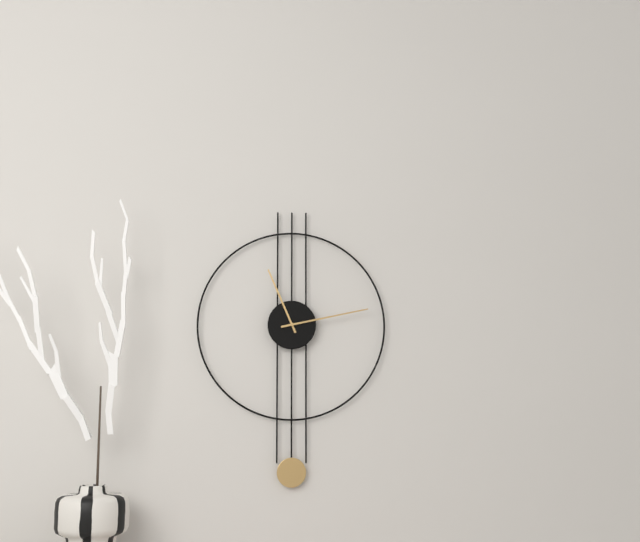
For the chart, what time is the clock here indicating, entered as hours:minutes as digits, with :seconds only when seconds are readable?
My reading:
11:13
